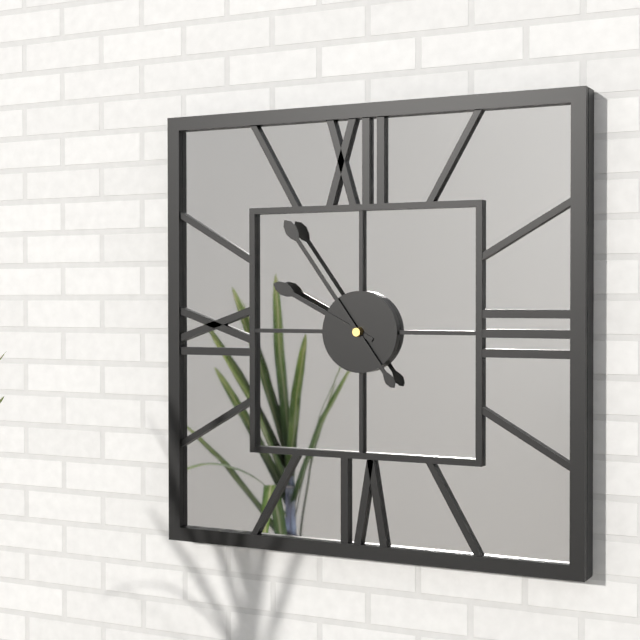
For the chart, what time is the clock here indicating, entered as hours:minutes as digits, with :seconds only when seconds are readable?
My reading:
9:54
